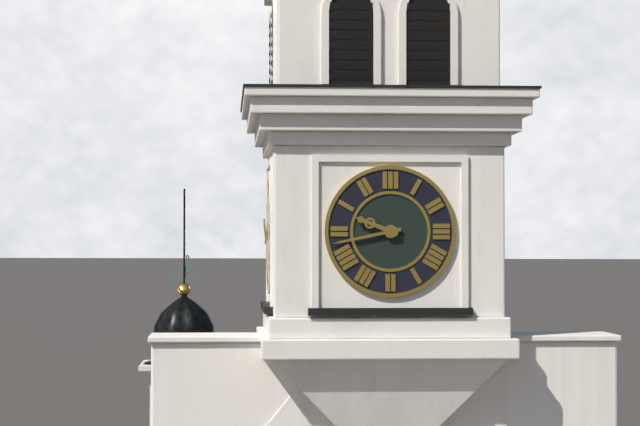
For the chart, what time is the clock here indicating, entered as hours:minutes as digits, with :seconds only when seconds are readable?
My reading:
9:43
